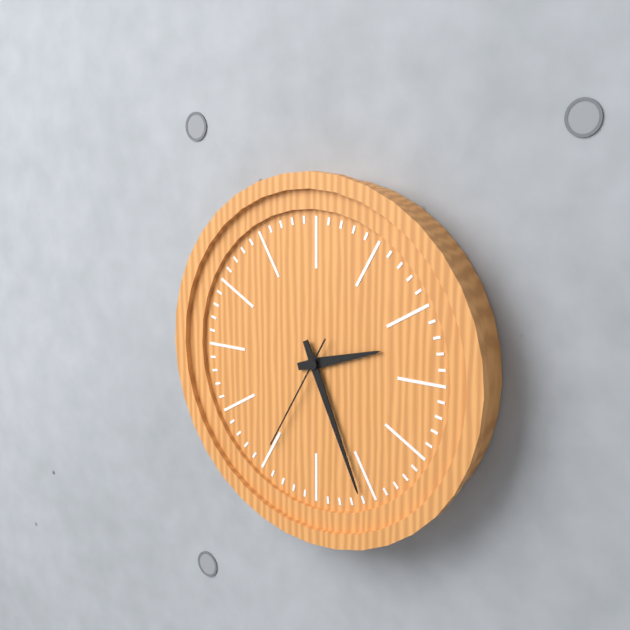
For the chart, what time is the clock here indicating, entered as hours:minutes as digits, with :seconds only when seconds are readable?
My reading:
2:26:35
